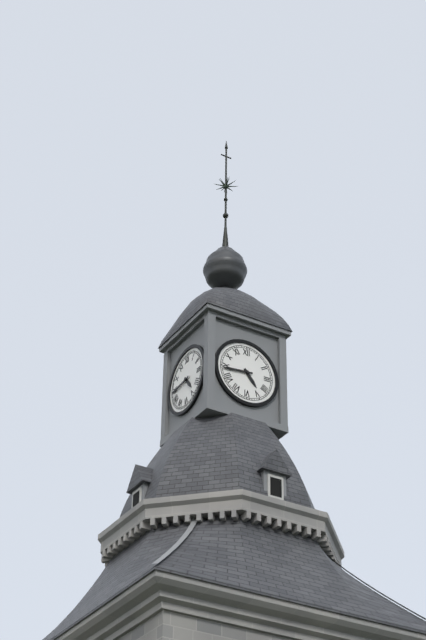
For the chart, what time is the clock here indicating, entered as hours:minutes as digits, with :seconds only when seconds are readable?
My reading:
4:44
